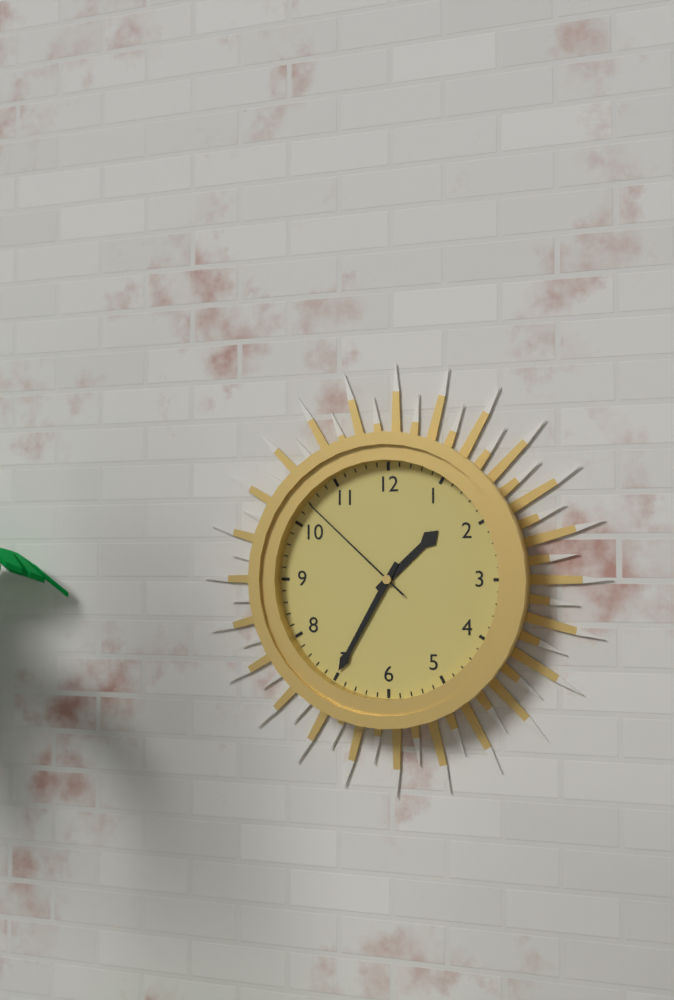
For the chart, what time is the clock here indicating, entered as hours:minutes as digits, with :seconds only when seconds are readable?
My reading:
1:35:52
